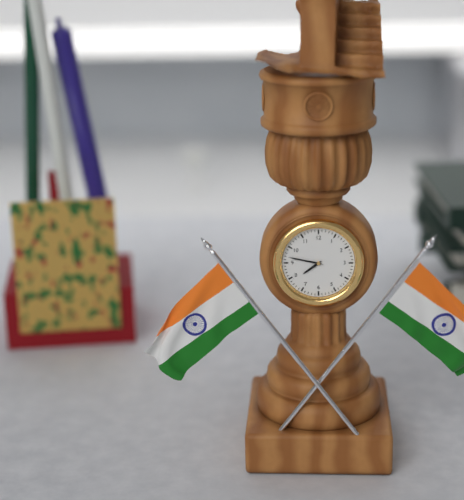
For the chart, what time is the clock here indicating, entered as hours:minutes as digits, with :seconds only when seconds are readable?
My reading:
7:47
